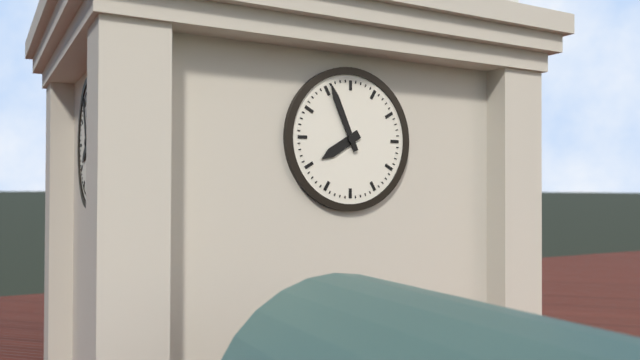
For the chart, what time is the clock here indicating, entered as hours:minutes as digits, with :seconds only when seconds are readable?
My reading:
7:56
